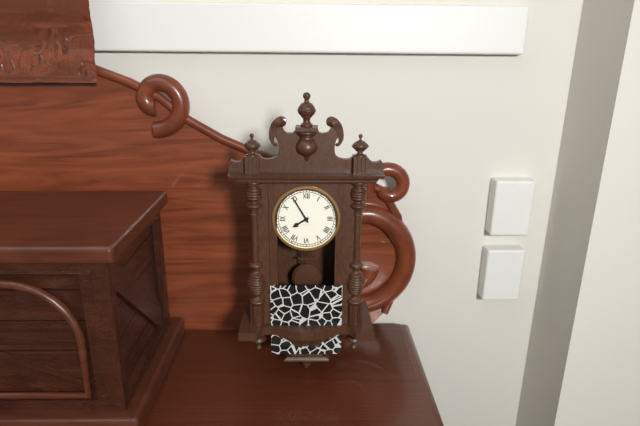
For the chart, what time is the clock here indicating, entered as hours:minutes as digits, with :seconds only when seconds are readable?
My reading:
7:55
